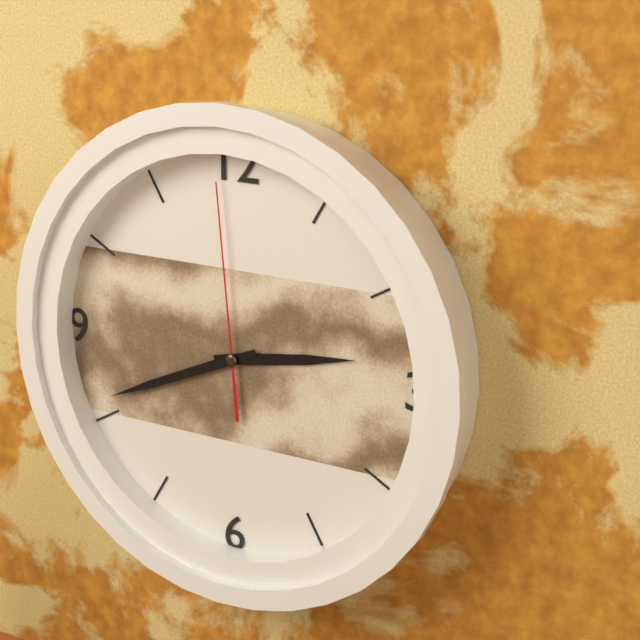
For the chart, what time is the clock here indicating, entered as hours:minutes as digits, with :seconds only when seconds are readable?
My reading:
2:41:59
